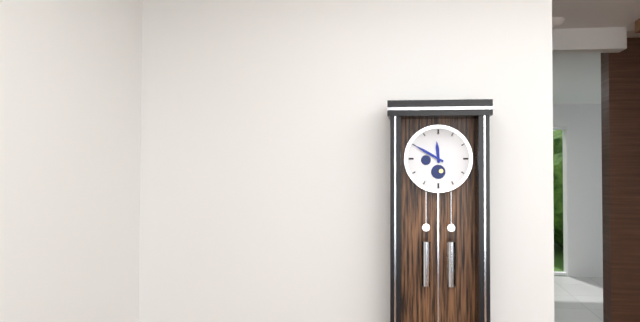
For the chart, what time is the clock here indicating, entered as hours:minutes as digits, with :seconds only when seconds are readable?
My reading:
11:50
